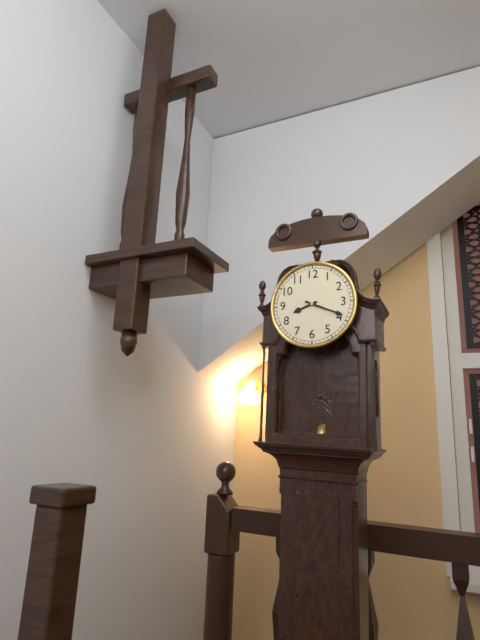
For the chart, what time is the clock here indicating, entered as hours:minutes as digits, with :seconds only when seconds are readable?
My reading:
8:19
